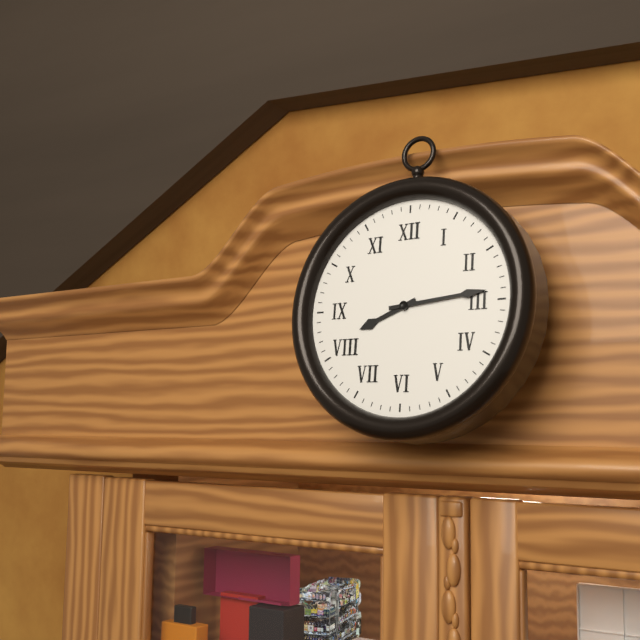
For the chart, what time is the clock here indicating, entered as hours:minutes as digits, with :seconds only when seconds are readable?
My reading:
8:14
